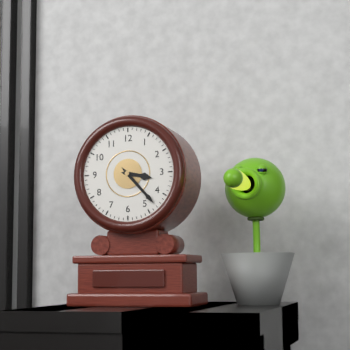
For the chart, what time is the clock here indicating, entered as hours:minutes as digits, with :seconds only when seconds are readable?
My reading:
3:23
